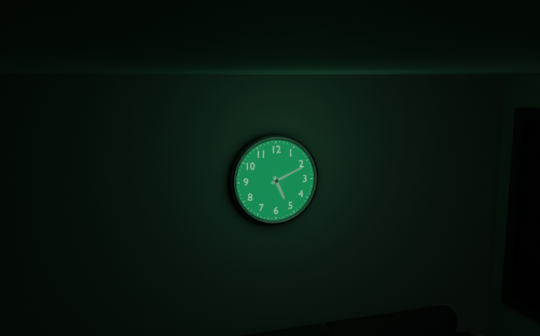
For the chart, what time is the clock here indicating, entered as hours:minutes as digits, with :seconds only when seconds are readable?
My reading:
5:11
